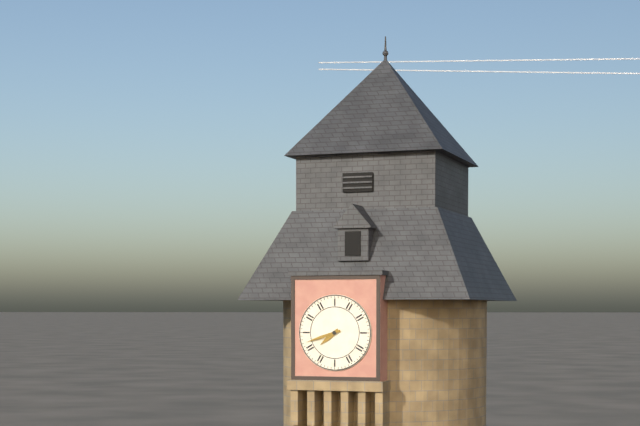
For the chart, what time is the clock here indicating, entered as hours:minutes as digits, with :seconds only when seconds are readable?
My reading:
7:42
